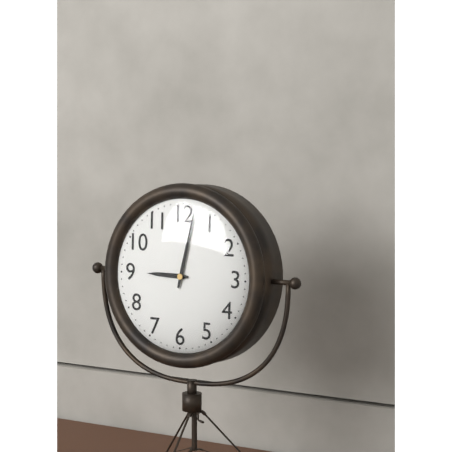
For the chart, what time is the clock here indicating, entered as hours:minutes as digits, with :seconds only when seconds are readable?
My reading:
9:02
